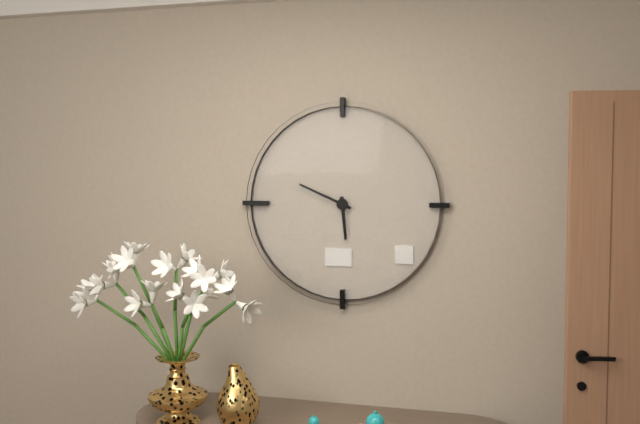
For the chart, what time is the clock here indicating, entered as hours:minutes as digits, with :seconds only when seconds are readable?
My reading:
5:49
